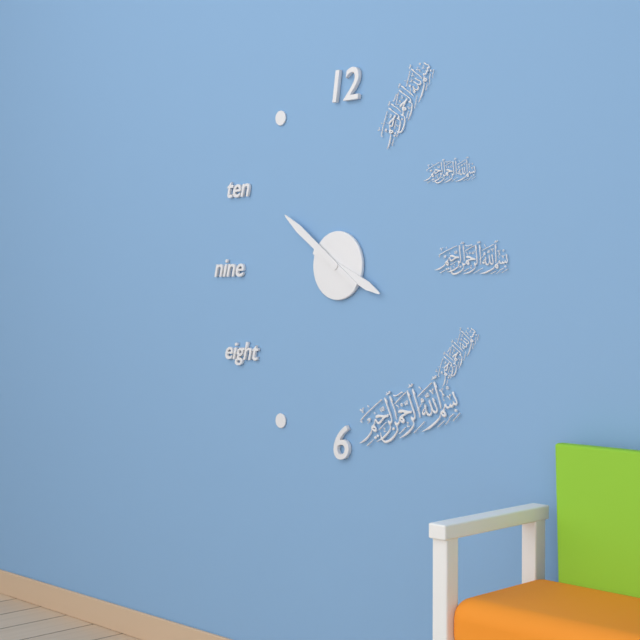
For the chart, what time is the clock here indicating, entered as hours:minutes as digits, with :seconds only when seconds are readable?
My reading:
3:51
